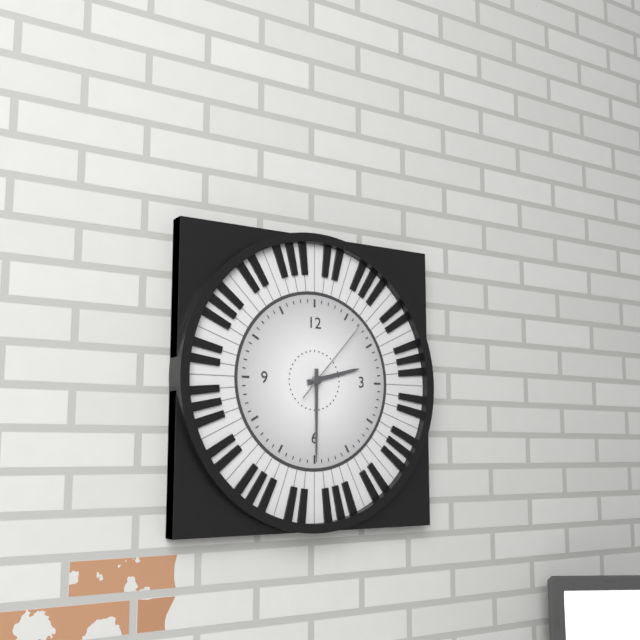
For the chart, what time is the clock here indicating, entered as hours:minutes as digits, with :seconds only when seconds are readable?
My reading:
2:30:07
